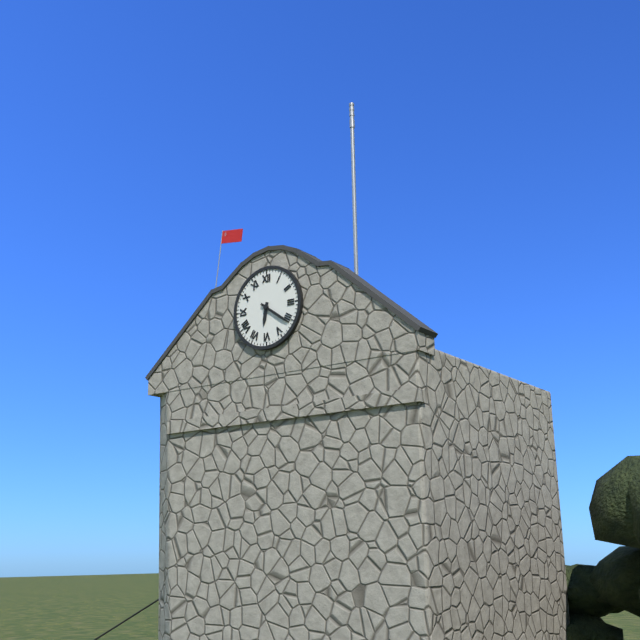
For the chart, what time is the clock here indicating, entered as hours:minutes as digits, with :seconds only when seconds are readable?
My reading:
6:21
